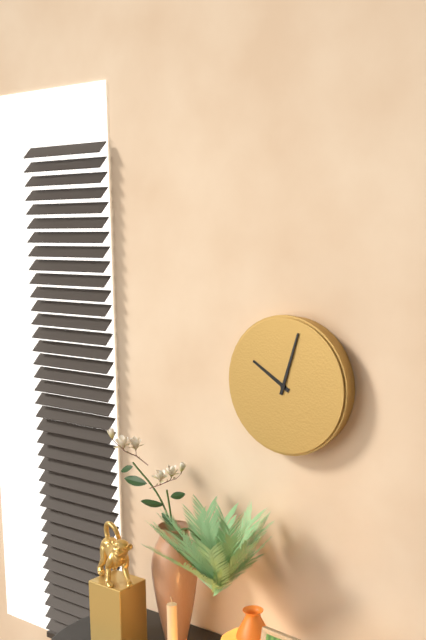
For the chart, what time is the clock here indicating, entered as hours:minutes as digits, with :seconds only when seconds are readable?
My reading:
10:03
